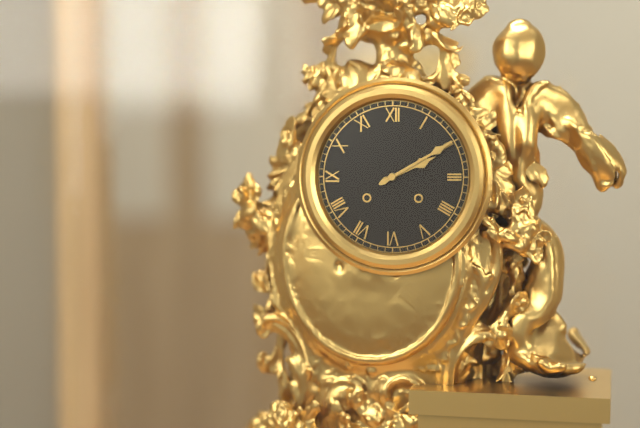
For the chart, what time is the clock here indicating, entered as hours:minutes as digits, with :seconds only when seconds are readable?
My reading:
2:10
